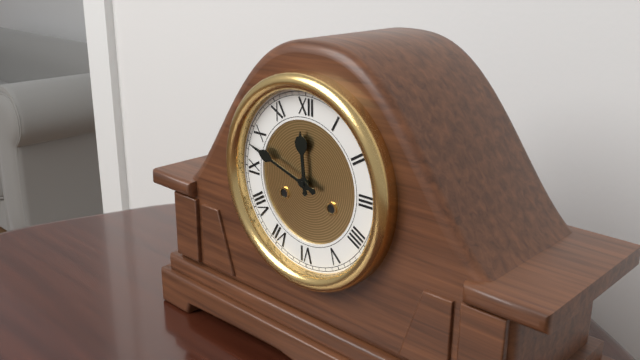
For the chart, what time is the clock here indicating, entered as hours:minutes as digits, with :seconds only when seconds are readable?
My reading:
11:48
